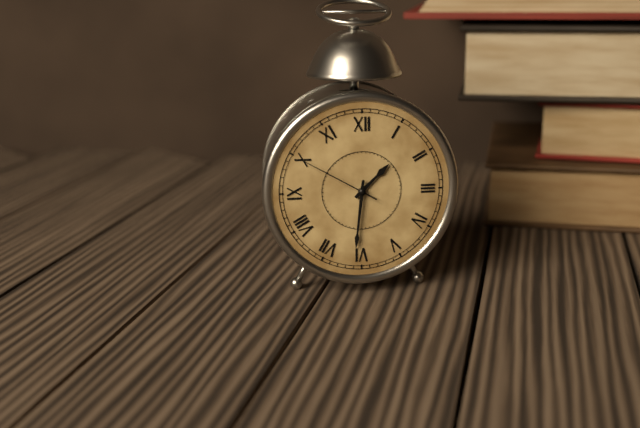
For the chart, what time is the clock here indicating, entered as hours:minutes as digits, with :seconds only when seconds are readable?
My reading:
1:31:50
